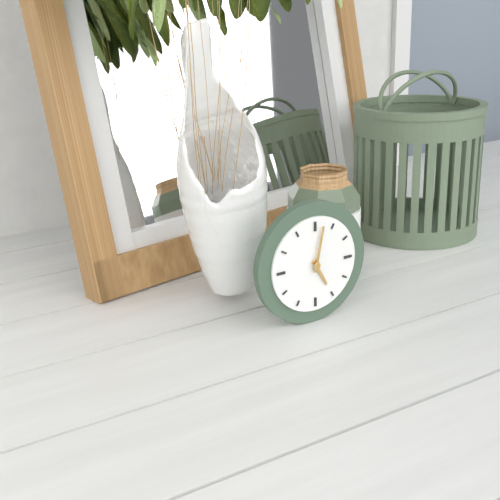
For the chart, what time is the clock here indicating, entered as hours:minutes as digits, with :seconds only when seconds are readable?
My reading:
5:02
